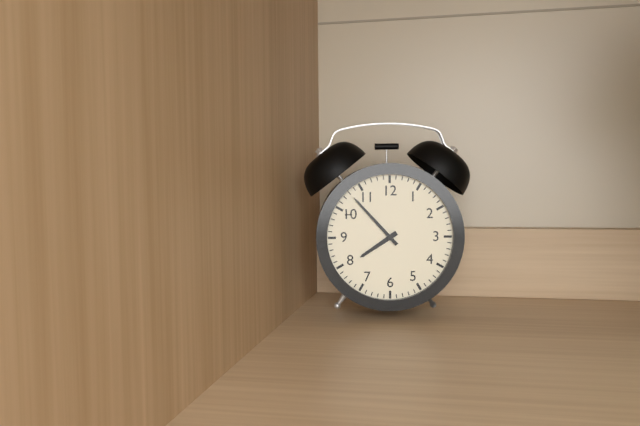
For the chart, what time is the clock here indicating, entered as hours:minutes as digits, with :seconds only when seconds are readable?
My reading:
7:53
